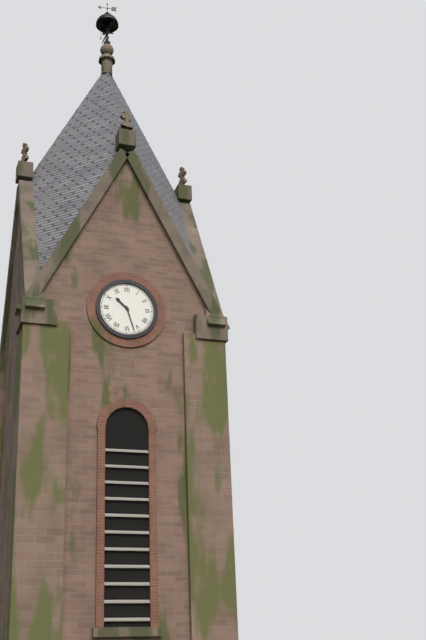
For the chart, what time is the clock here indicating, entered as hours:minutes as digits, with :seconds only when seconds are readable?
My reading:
10:27
